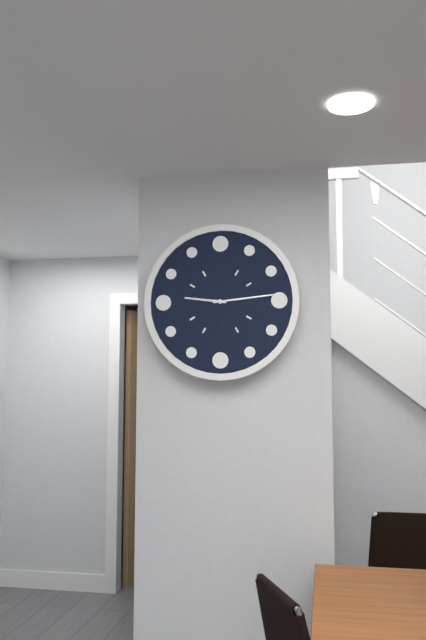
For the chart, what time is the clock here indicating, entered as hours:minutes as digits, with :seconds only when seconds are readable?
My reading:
9:14
